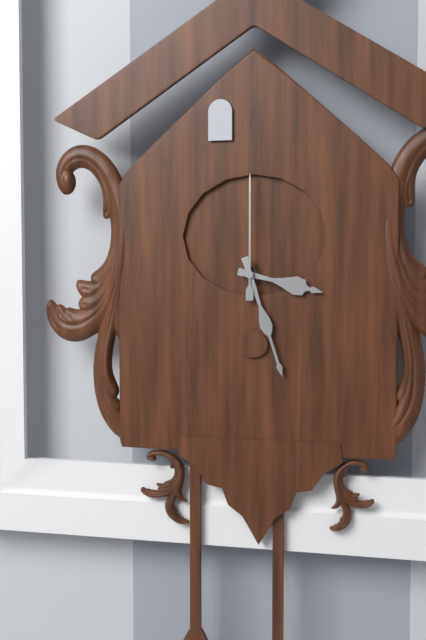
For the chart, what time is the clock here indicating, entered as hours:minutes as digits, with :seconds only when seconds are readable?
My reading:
3:27:00
